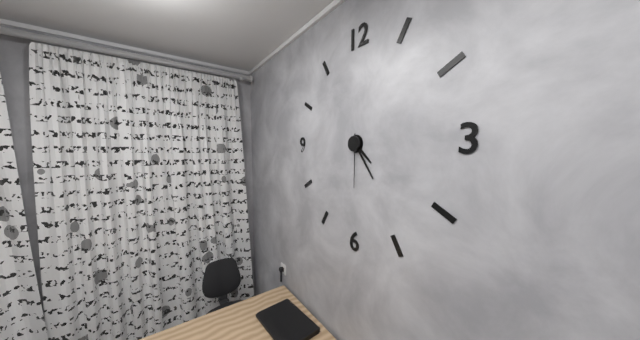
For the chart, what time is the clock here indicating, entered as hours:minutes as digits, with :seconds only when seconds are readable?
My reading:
4:24:30
